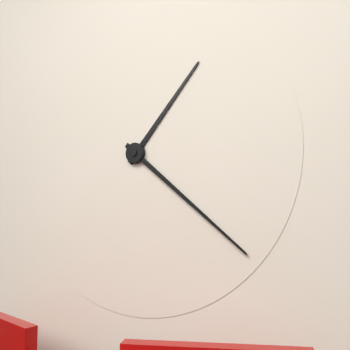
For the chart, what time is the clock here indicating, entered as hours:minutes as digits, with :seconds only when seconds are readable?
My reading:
1:22
